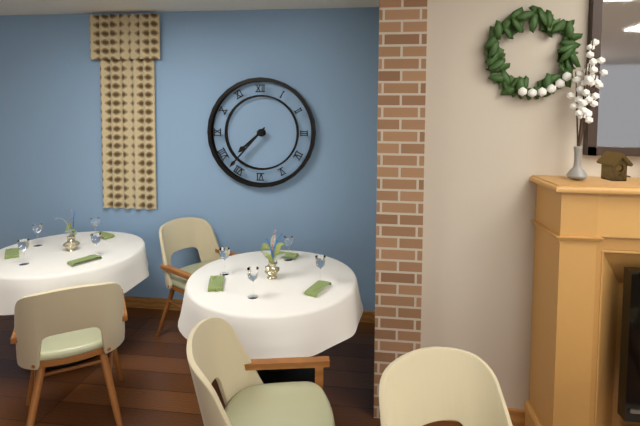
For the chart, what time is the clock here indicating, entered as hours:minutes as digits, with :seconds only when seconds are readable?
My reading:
7:37
